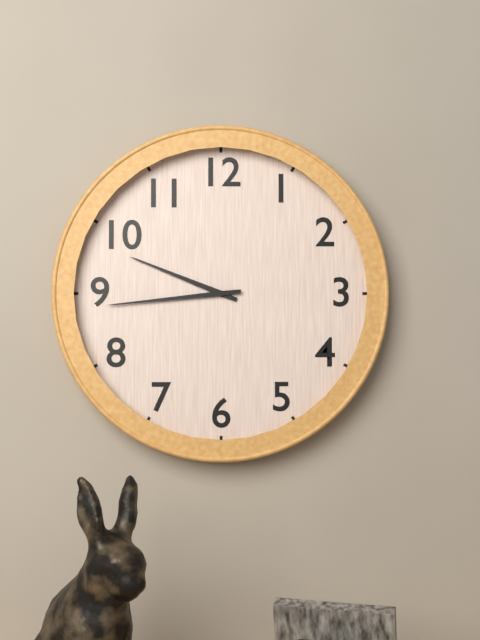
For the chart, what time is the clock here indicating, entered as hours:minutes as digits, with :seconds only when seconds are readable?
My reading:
9:44
